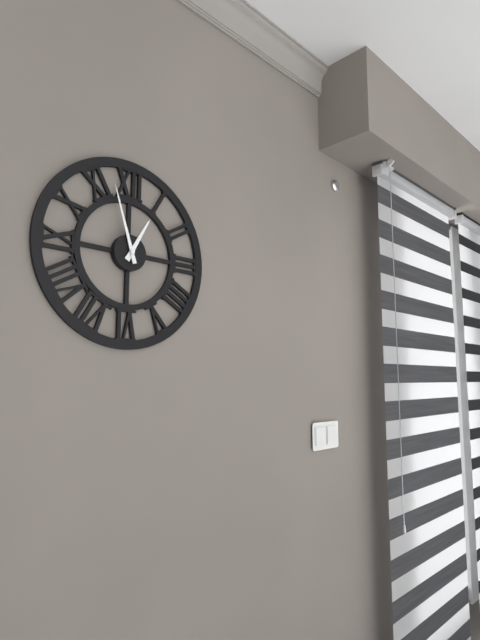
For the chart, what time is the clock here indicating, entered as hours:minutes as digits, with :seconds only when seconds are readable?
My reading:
12:57
